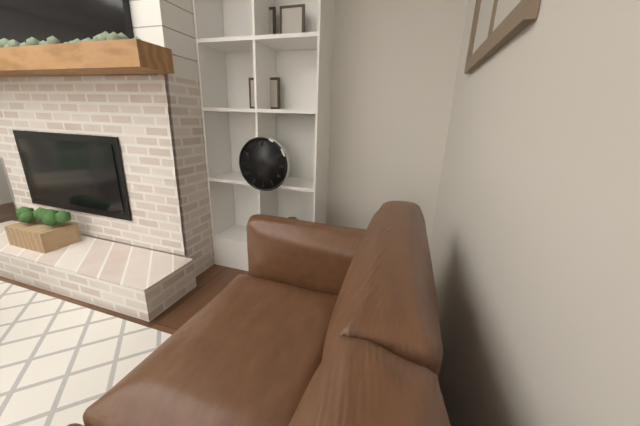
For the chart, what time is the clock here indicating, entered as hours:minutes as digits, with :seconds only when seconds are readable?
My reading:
6:43
